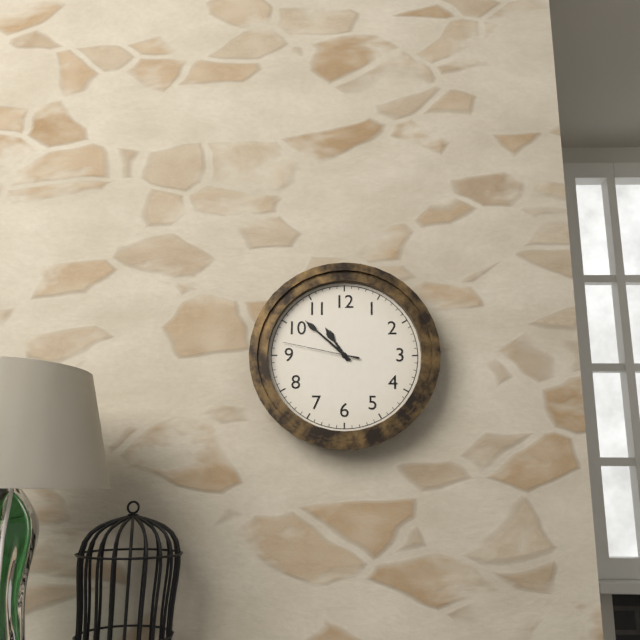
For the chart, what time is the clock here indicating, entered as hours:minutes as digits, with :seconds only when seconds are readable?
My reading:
10:52:47
